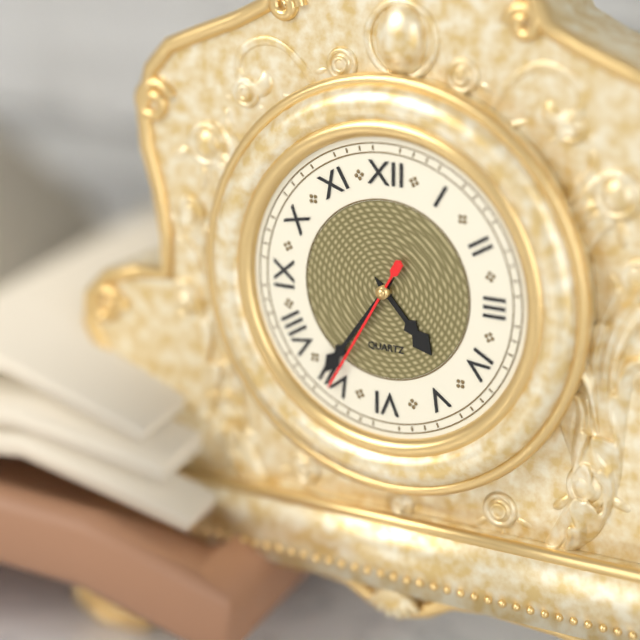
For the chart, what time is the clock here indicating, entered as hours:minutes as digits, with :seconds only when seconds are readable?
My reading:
4:36:35
